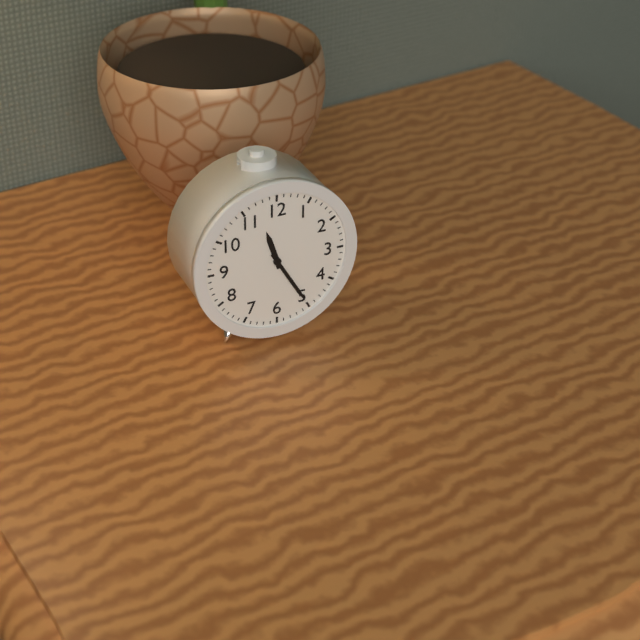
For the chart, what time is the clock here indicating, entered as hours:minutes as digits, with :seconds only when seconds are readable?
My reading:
11:25
